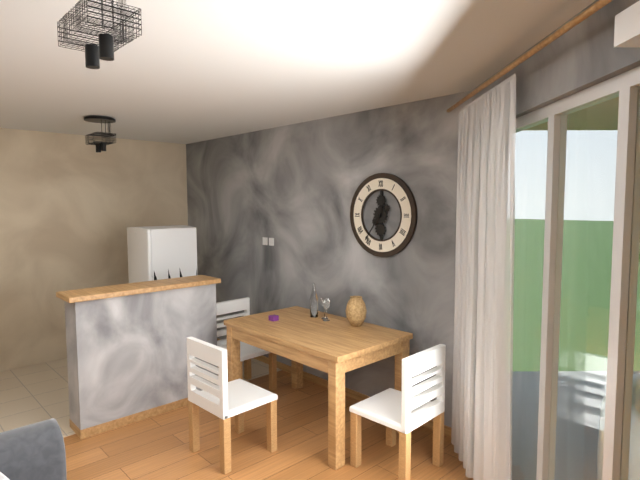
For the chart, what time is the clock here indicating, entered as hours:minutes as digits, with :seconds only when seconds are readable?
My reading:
12:36
